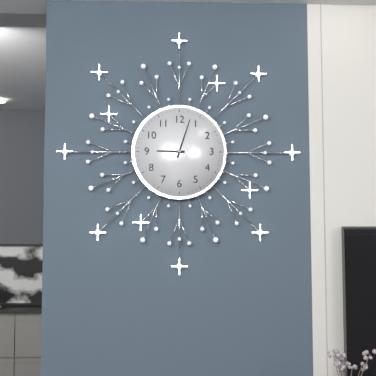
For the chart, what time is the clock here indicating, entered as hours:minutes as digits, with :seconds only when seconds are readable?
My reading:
9:03
